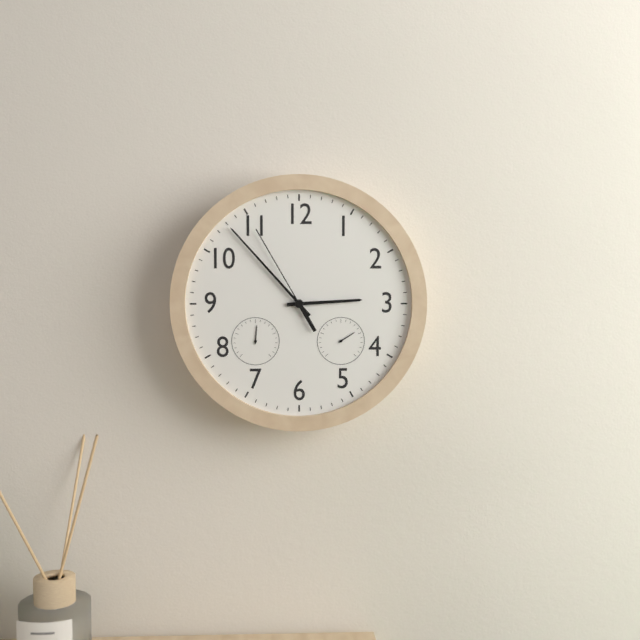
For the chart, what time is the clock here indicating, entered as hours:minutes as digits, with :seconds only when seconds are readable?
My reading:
2:53:55
